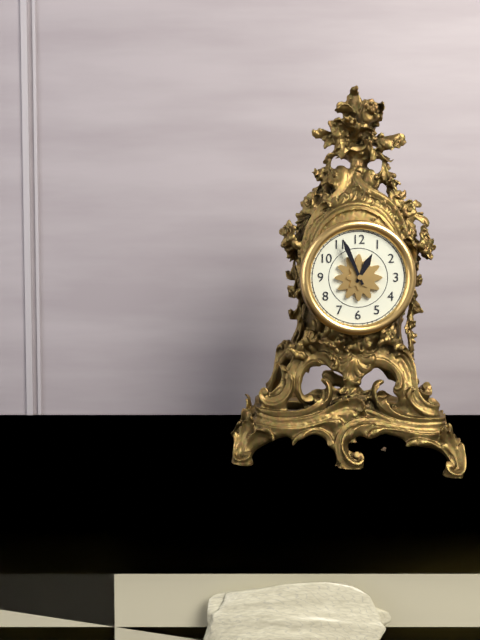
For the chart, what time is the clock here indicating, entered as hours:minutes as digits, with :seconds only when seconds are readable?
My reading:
12:56
